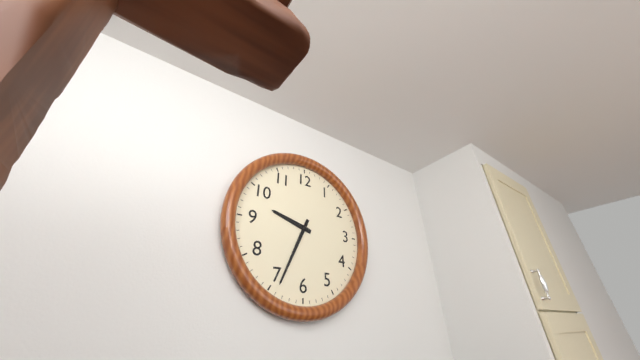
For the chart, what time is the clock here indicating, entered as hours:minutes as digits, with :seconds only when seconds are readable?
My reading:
9:34
